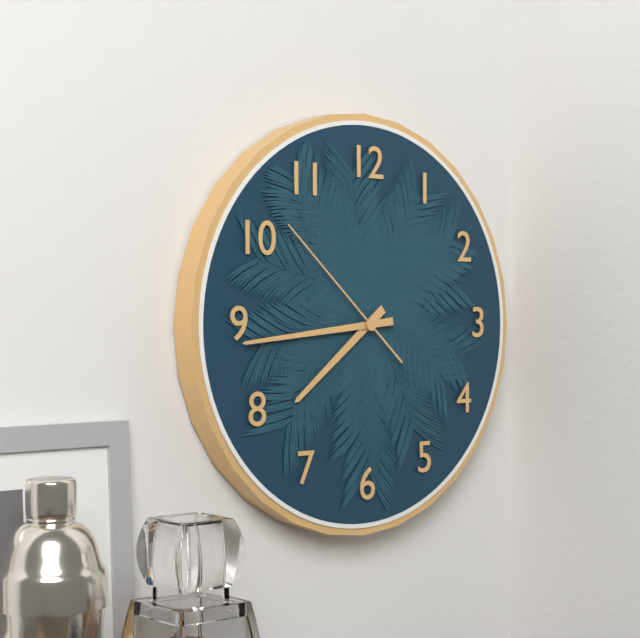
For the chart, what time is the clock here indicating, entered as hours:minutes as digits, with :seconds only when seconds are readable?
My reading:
7:44:52
